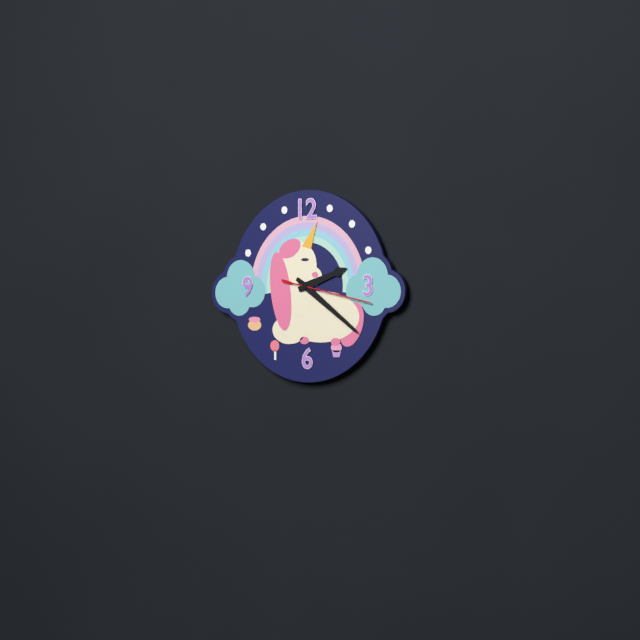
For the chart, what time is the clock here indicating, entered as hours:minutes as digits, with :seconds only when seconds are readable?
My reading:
2:21:17
